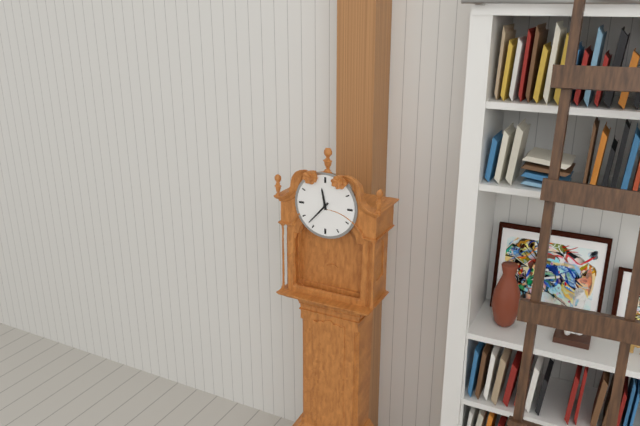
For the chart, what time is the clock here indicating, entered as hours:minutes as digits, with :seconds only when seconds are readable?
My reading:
11:37
